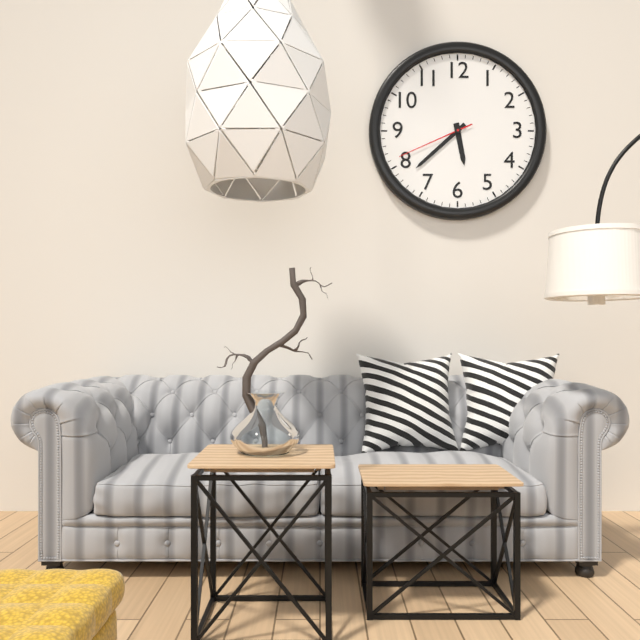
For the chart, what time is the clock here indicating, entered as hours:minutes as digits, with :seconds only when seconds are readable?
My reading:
5:38:41
